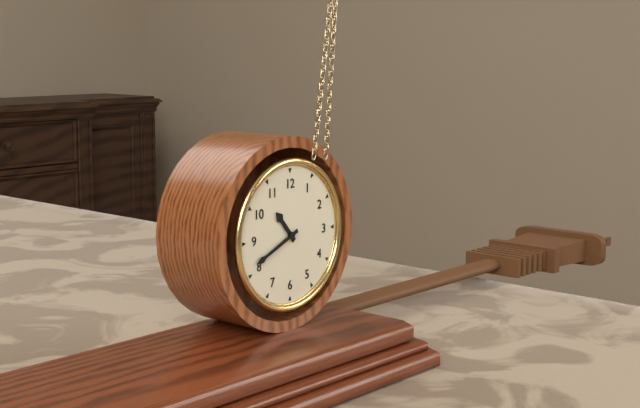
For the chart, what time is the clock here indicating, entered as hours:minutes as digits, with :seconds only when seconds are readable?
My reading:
10:41
